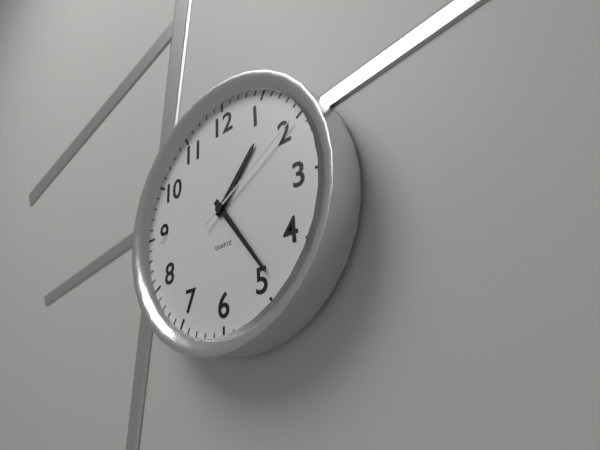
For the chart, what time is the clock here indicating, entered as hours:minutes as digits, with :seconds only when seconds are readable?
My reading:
1:24:10
